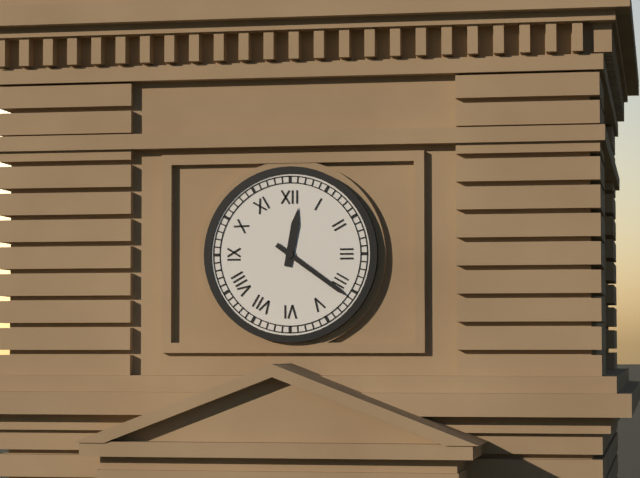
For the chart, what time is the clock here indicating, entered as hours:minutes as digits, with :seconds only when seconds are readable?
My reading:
12:21
